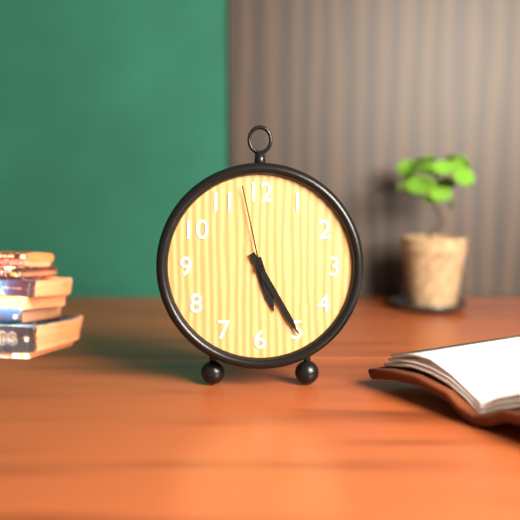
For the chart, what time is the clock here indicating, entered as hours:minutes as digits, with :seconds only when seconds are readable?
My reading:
5:25:58
